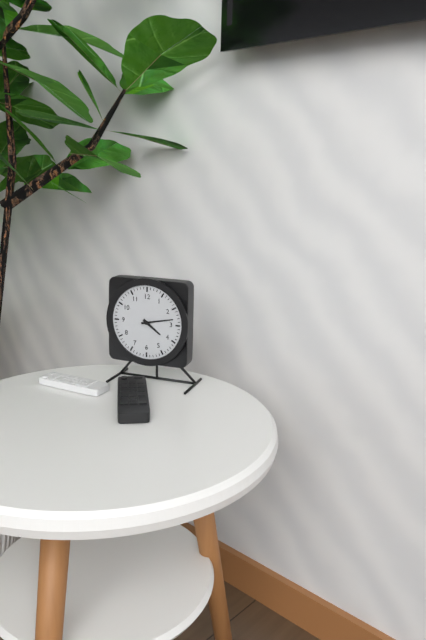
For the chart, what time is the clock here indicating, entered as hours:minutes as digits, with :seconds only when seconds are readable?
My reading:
4:13
